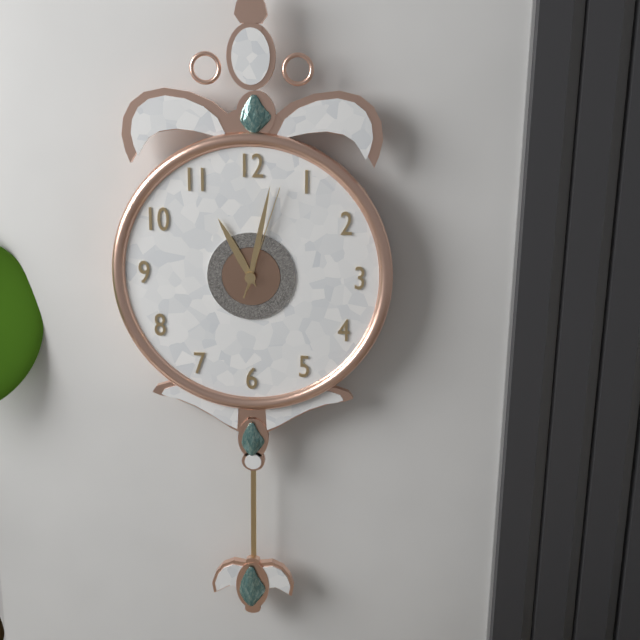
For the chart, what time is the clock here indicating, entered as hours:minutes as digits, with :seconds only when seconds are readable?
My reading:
11:02:03
